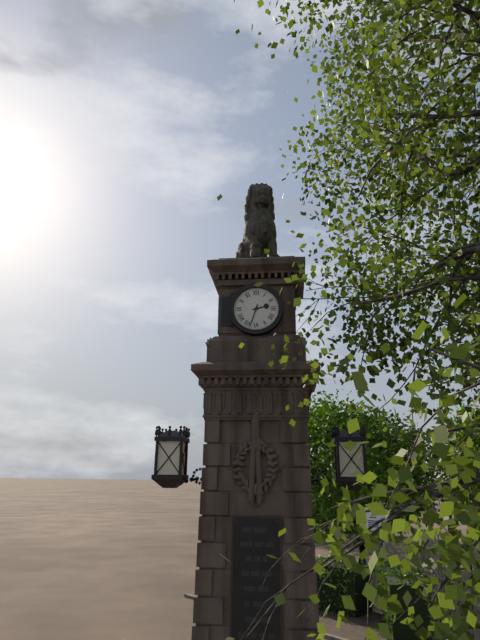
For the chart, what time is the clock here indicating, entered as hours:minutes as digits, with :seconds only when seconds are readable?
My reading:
2:33
